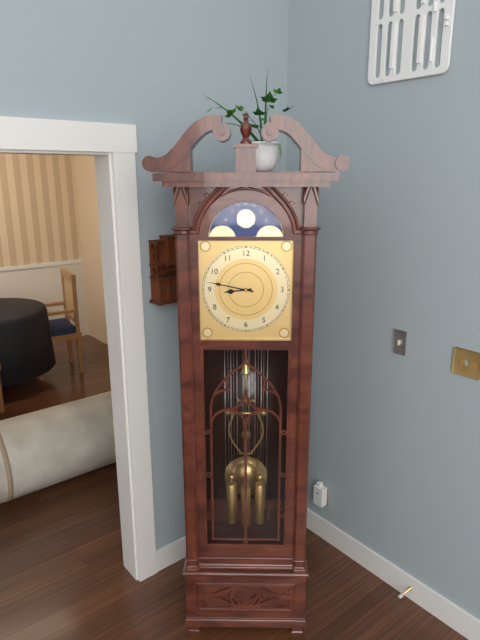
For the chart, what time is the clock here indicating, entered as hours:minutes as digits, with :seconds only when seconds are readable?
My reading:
8:47
